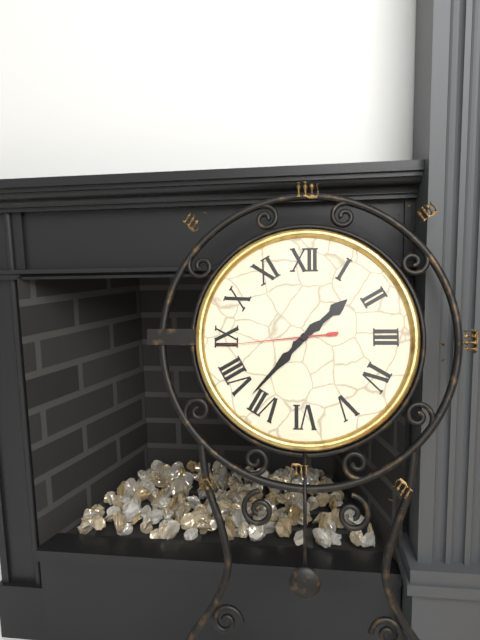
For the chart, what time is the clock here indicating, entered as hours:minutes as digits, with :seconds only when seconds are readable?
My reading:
1:37:44
